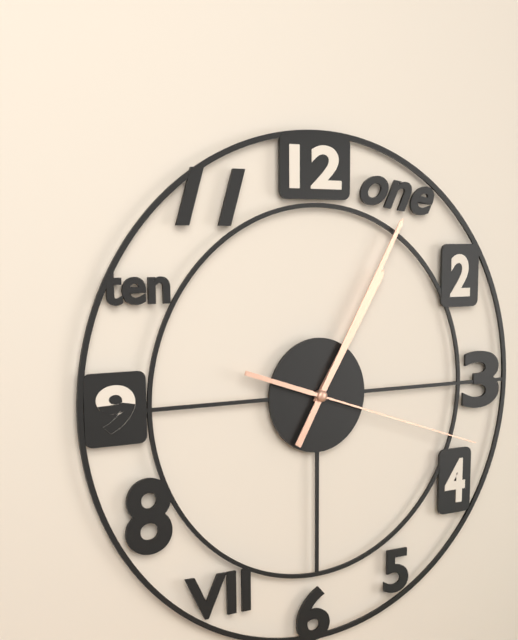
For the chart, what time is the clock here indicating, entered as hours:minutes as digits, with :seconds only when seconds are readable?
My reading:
1:05:18
